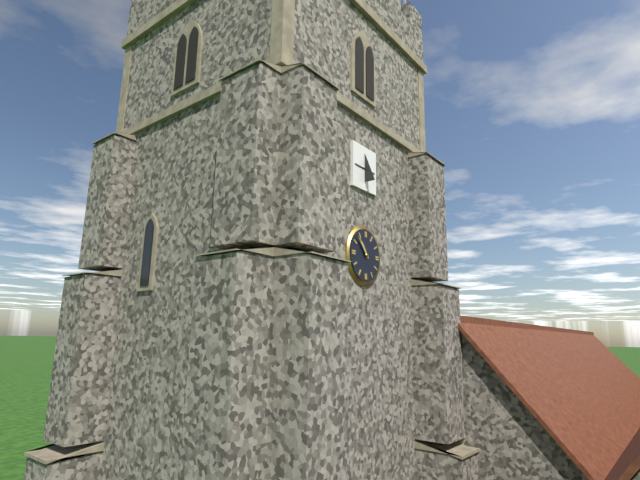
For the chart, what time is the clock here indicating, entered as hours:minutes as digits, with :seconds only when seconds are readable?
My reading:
10:53
